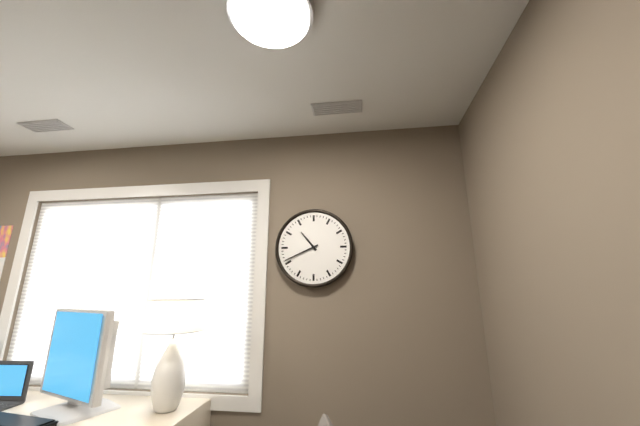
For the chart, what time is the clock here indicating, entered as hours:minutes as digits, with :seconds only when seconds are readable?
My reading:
10:41
